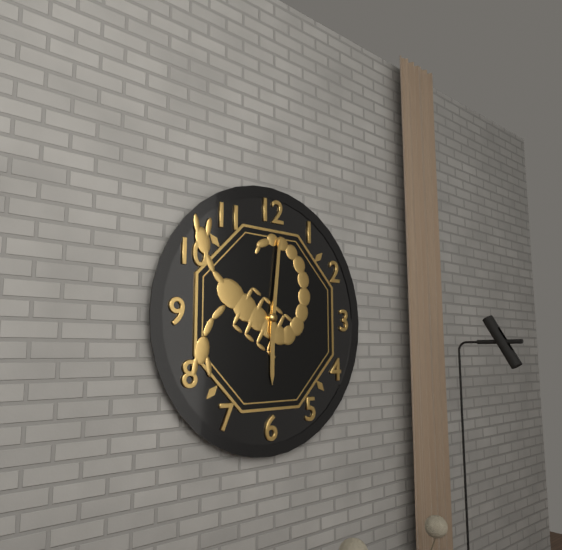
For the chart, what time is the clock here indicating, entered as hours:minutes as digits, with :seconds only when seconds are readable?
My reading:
6:01
